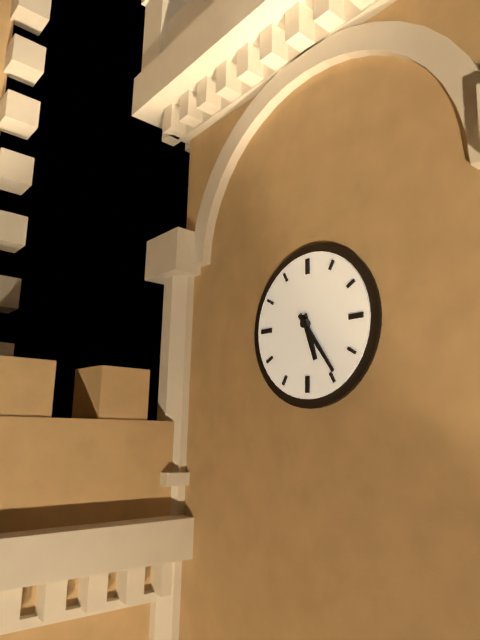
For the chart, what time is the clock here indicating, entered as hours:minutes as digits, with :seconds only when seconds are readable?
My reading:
5:24
